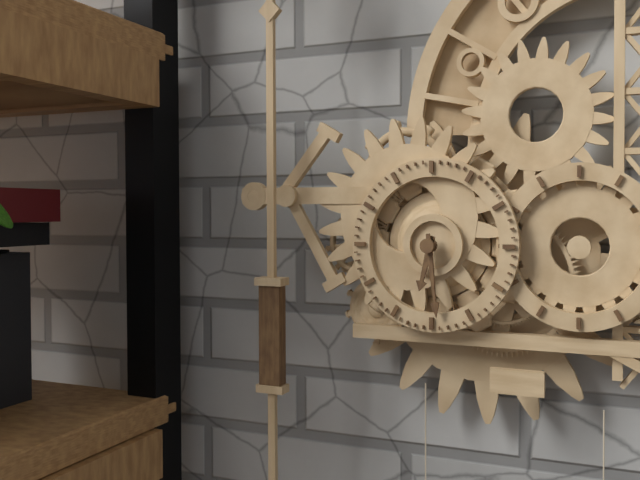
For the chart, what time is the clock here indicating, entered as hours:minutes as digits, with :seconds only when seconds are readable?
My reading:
6:29
